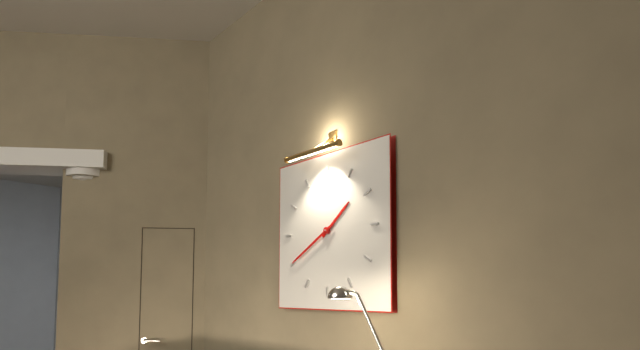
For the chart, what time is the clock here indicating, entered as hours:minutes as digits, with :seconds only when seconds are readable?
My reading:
1:40
